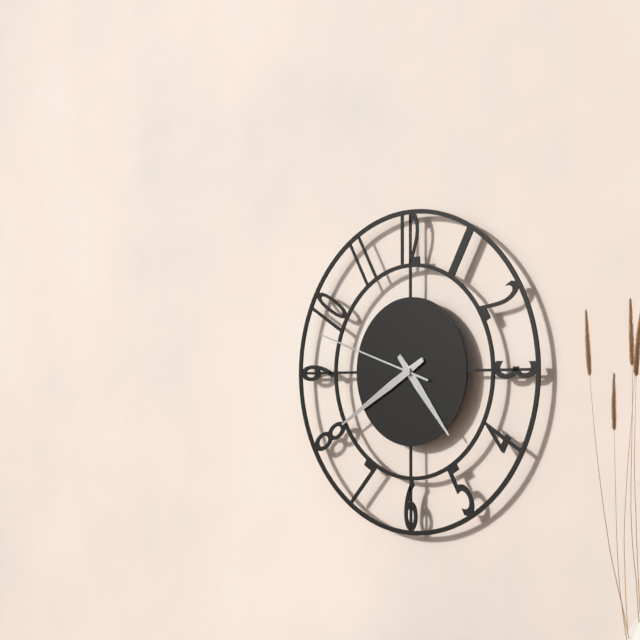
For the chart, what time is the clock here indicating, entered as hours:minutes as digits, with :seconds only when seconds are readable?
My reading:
4:40:48
